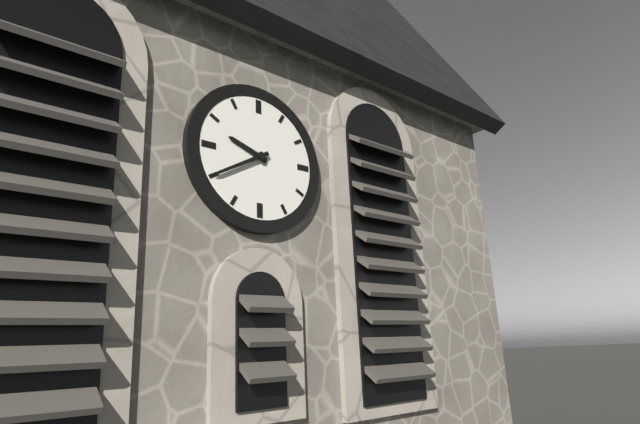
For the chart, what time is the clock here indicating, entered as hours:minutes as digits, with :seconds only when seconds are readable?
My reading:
9:40
